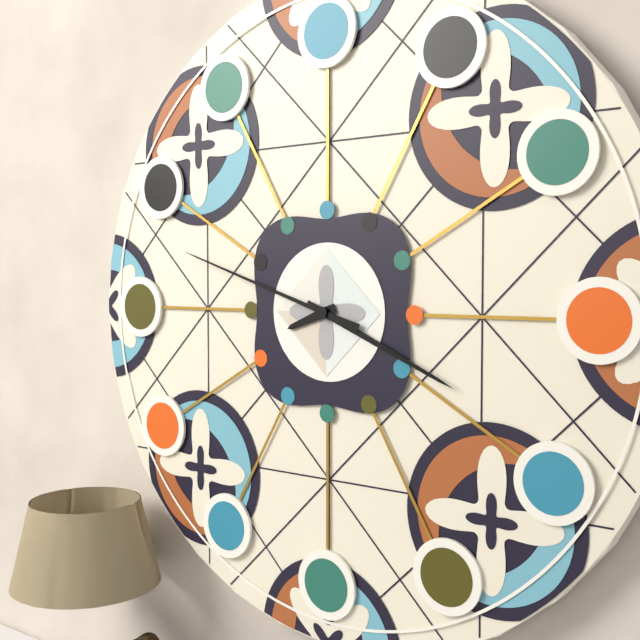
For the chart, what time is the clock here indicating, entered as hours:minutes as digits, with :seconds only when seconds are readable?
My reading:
8:19:48
